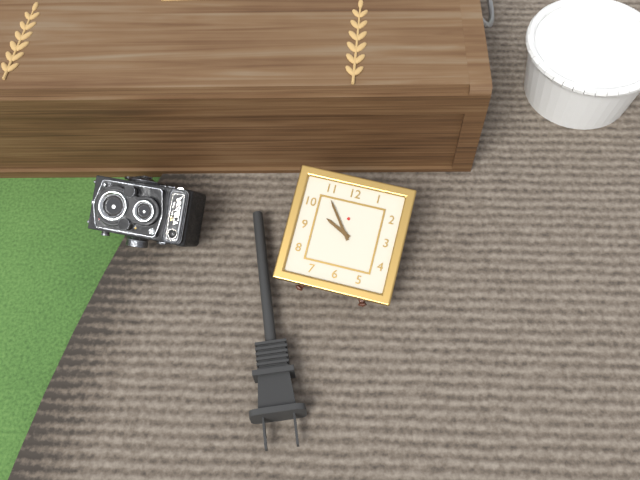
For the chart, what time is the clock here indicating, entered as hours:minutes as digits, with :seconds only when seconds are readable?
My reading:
9:54
